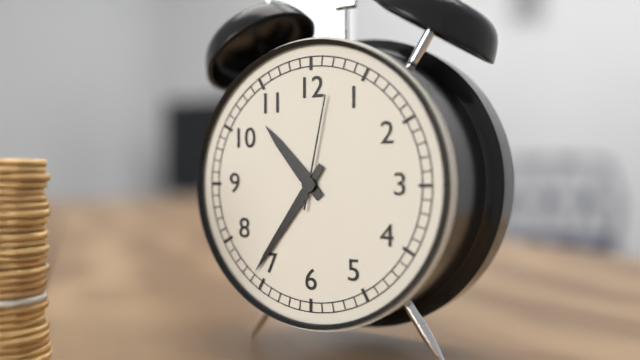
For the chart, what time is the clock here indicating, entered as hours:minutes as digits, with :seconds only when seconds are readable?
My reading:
10:36:02
